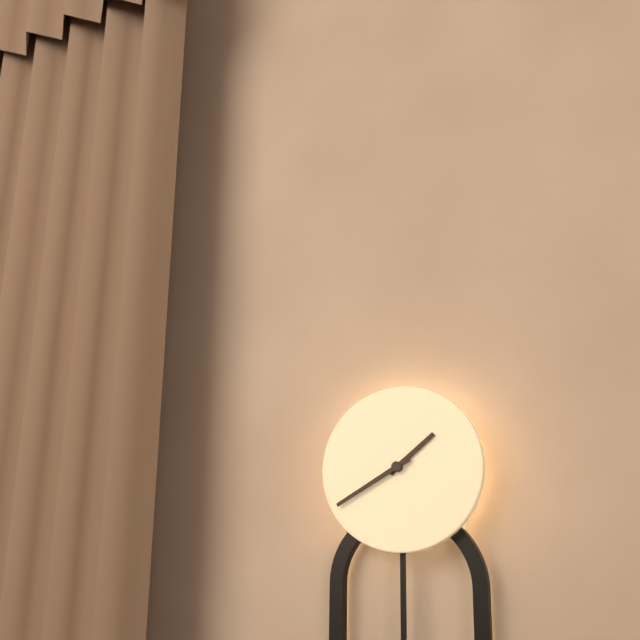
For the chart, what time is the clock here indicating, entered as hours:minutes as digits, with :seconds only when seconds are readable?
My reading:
1:40
